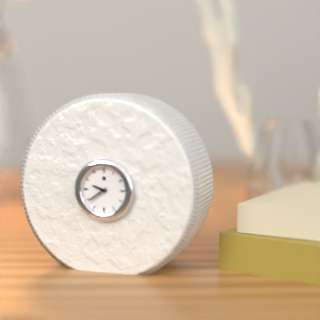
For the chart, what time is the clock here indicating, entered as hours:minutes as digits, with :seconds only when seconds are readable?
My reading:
9:39
